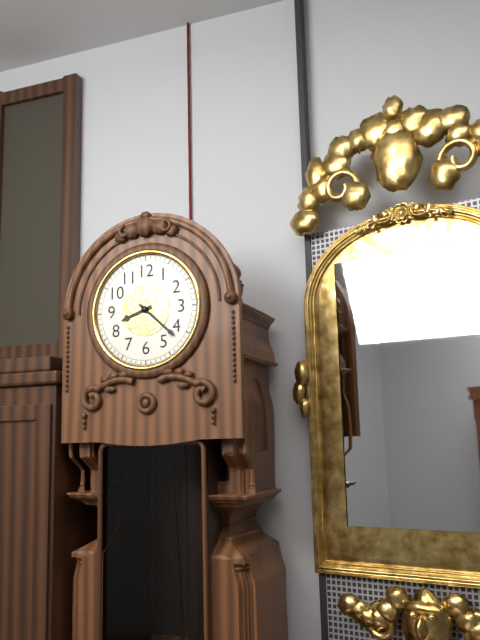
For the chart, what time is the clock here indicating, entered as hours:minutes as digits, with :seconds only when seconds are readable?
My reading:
8:22
